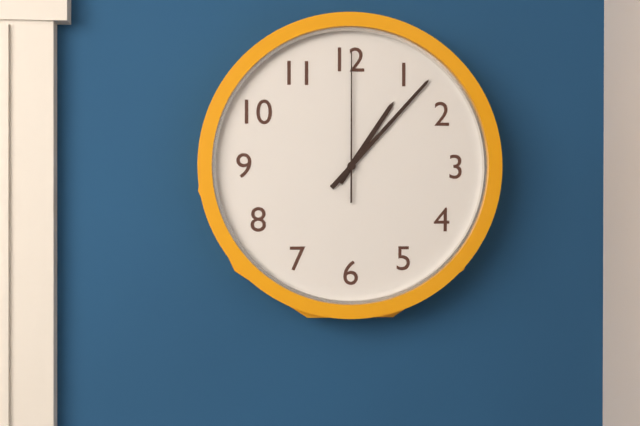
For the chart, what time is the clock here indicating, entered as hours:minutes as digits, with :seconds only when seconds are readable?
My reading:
1:07:00
